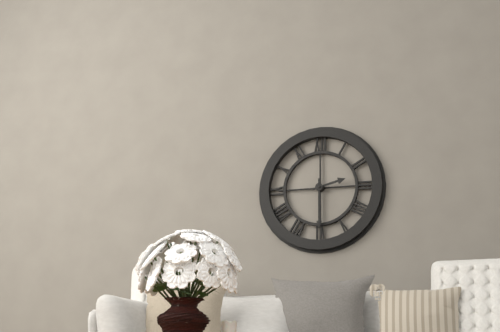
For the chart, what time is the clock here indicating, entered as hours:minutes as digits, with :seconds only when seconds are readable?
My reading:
2:30
